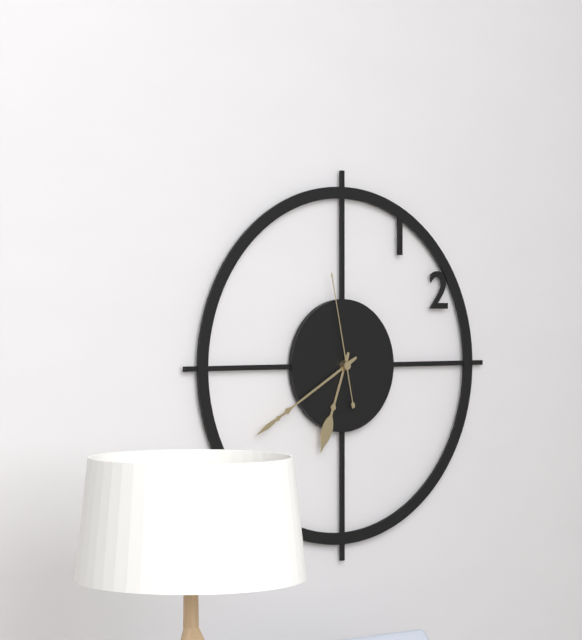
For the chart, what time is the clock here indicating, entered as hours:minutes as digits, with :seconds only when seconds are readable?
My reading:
6:40:58
